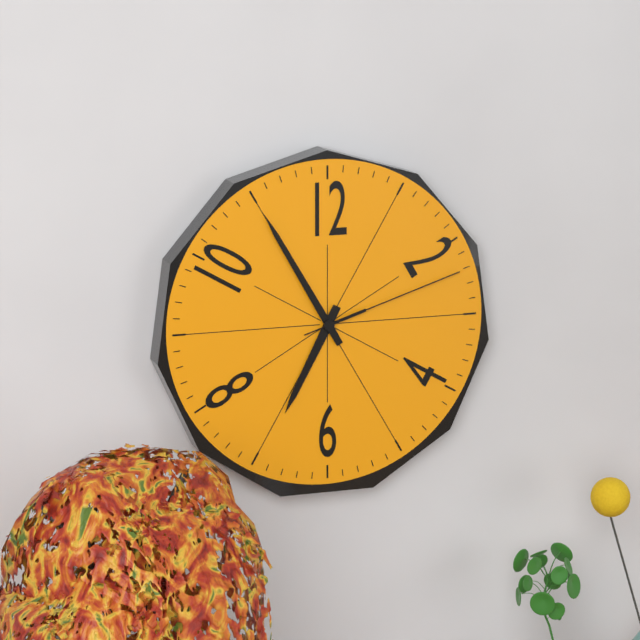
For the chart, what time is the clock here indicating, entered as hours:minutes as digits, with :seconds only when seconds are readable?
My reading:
6:55:12
